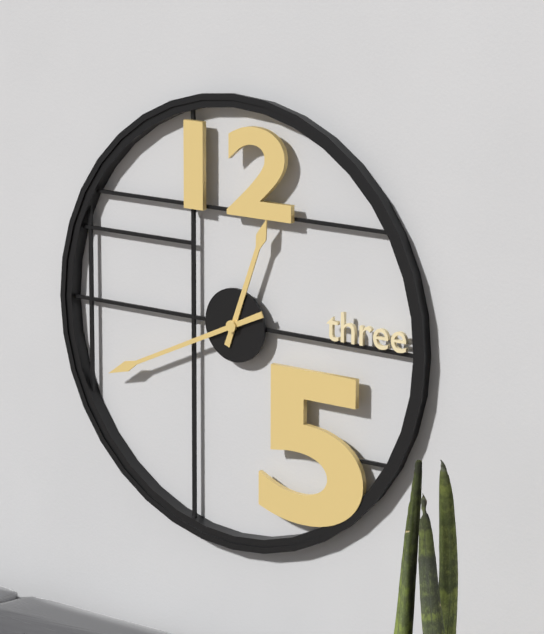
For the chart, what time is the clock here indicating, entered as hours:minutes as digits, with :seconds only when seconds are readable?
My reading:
12:41
